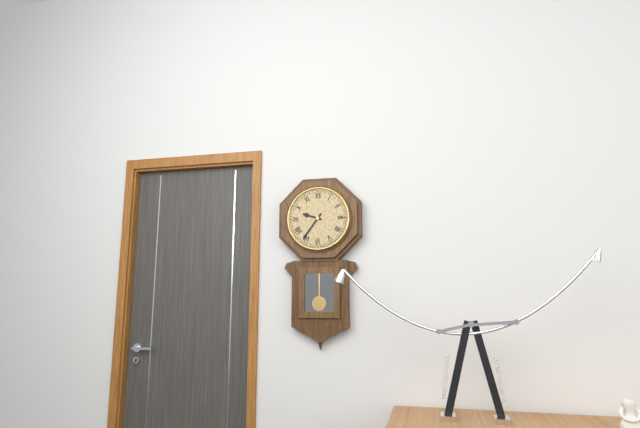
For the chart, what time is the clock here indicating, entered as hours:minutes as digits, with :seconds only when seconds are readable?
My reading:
9:36
